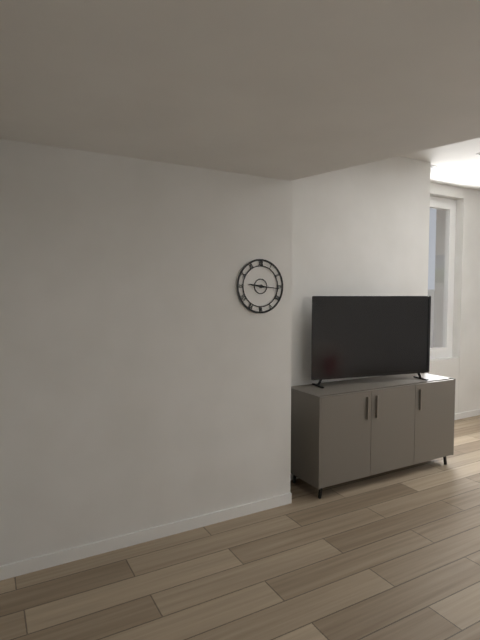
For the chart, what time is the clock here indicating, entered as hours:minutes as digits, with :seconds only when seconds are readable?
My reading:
9:16
